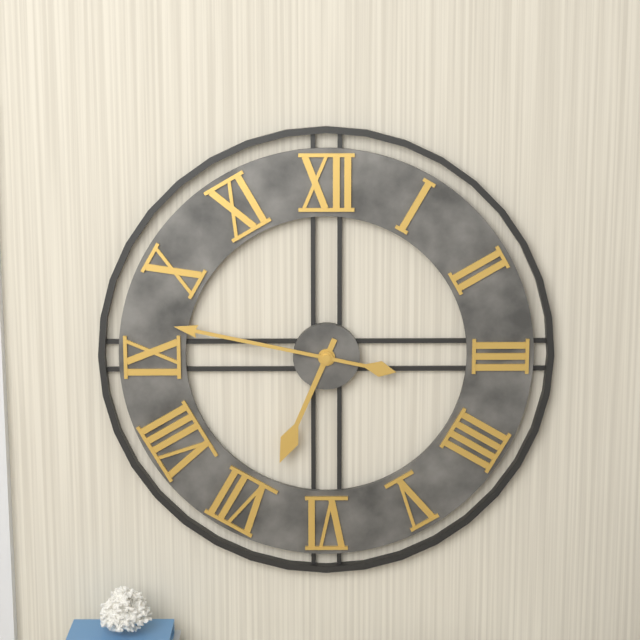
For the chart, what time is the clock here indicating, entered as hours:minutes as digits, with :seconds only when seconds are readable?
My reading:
6:47
